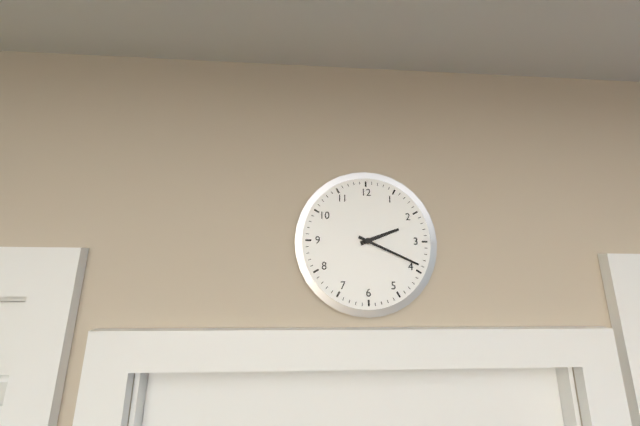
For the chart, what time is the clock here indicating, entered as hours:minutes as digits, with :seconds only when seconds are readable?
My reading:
2:19
